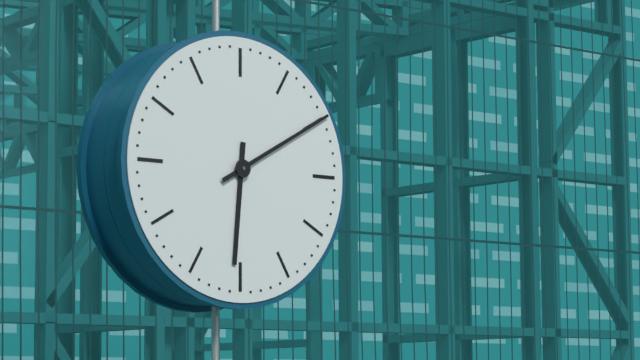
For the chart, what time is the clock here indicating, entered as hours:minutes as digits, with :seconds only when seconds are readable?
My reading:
6:10
